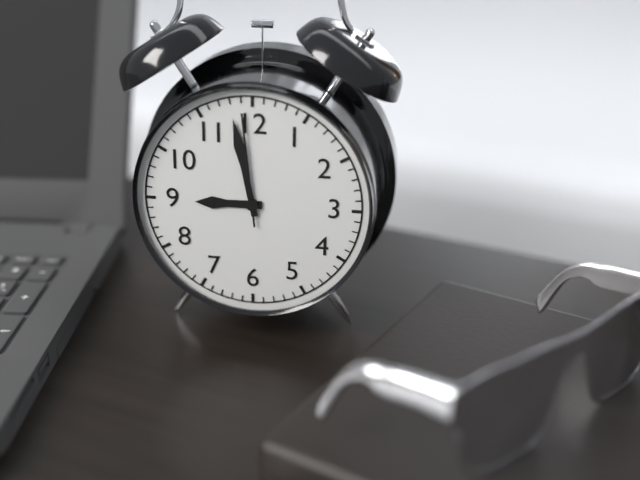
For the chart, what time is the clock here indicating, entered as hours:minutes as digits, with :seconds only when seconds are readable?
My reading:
8:58:59
